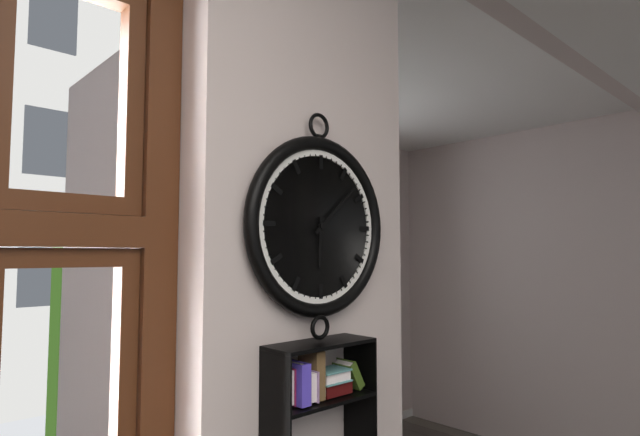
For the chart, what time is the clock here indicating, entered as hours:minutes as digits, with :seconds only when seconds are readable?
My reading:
6:08
